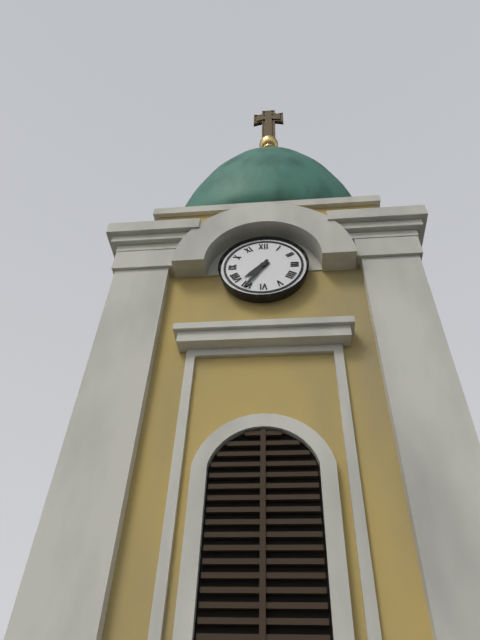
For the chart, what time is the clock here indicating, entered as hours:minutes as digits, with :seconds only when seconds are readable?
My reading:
7:35
